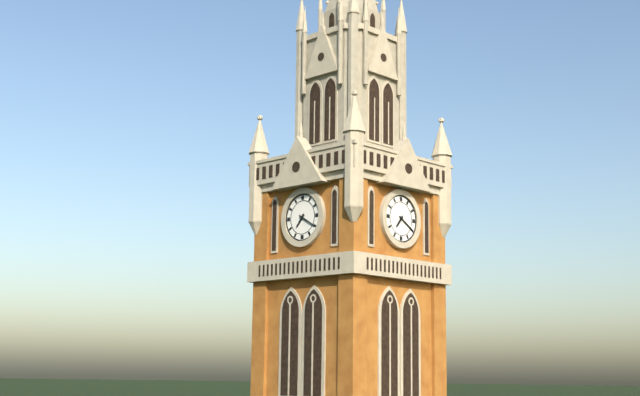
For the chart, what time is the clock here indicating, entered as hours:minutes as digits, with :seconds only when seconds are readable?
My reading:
7:20
